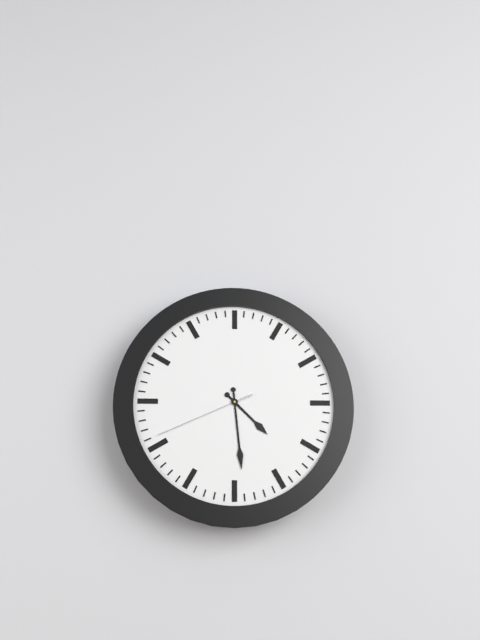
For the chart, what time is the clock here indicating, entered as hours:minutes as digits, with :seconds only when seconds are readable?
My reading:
4:29:41
